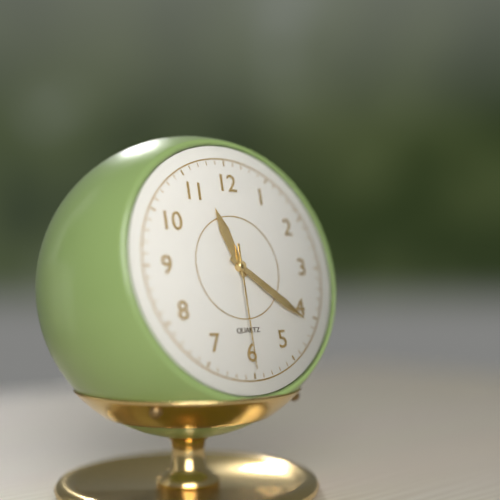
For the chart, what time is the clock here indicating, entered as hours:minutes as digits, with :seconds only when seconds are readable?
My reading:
11:21:30
